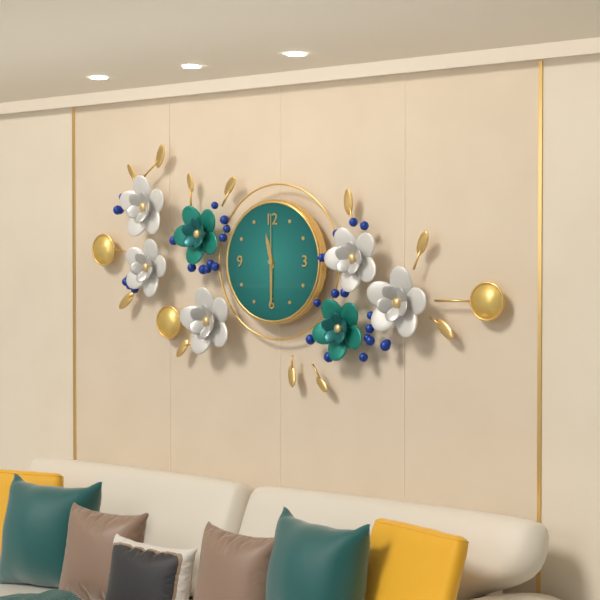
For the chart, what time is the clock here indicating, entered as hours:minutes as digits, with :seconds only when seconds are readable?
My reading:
11:30:00
